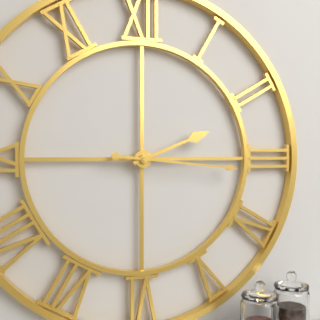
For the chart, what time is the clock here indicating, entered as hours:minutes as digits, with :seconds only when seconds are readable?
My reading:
2:16
